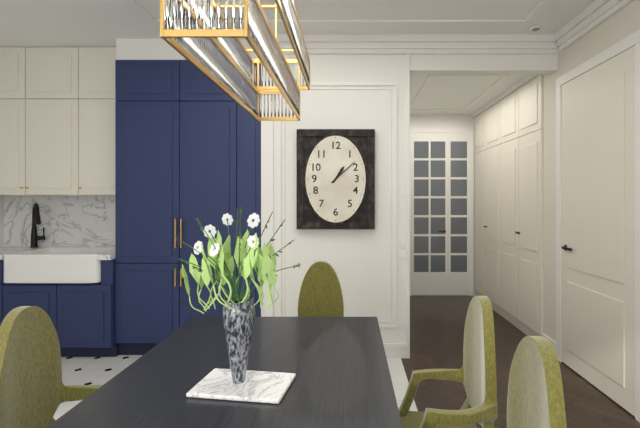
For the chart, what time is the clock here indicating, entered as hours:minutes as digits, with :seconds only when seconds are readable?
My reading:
1:08
